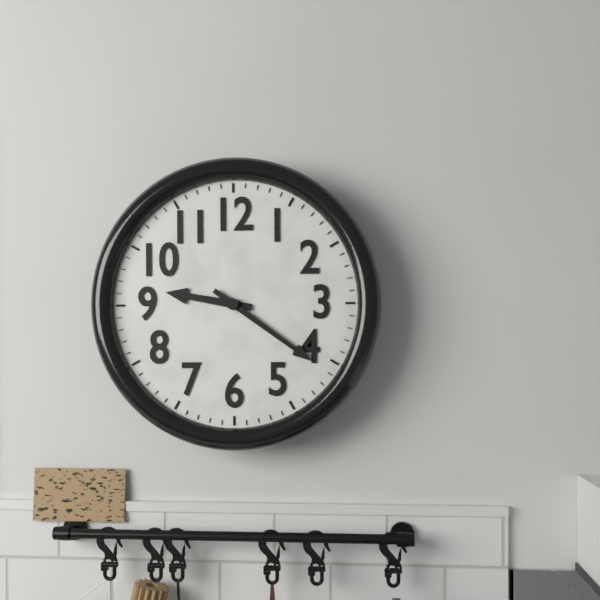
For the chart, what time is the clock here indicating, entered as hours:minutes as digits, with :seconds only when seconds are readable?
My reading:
9:21
